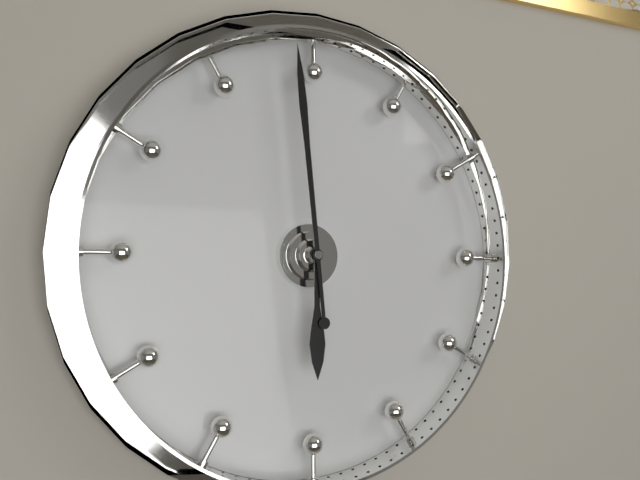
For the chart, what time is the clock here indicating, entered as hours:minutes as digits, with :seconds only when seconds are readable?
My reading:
5:59
